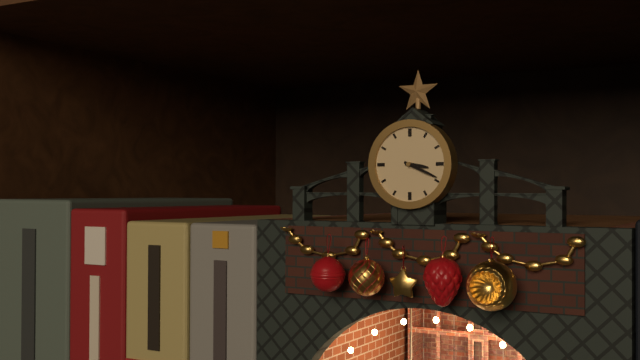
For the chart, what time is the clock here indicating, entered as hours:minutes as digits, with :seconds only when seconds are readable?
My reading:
3:19
